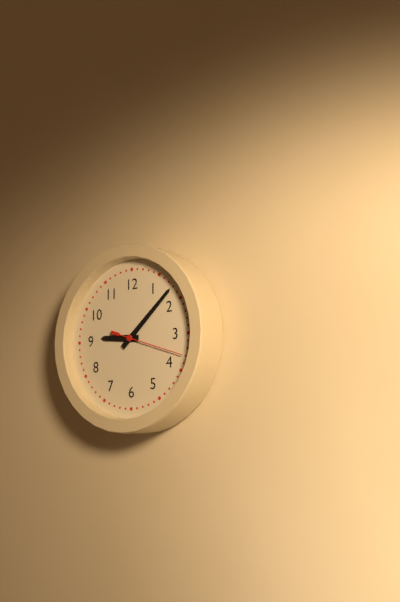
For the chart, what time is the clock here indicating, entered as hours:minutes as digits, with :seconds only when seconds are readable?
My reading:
9:08:18
